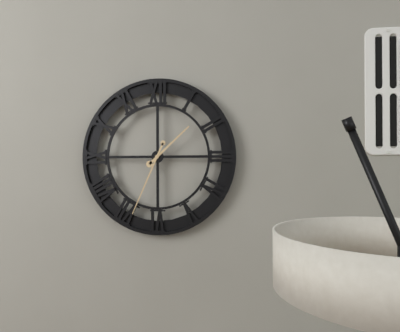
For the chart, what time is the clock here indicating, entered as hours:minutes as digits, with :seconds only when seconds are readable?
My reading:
1:34
